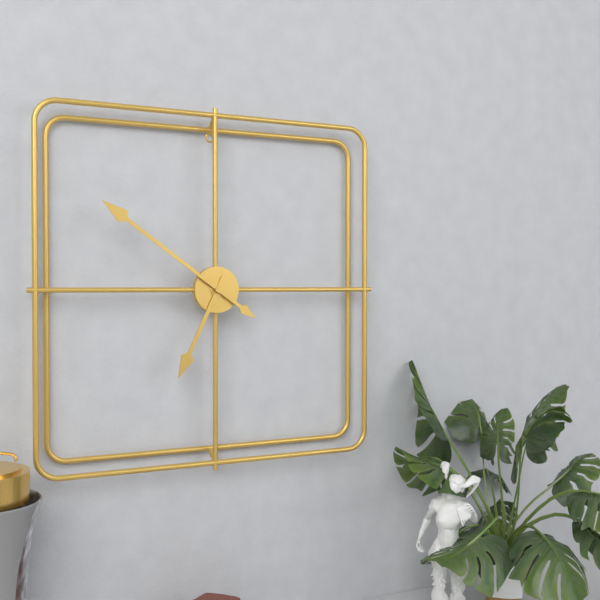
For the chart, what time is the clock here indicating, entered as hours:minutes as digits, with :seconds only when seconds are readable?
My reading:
6:51
